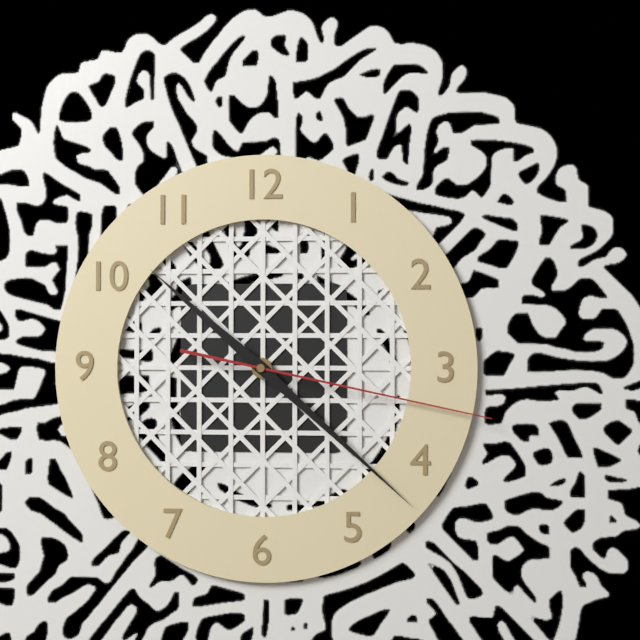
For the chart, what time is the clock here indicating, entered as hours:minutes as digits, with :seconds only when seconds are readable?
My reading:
10:22:17
